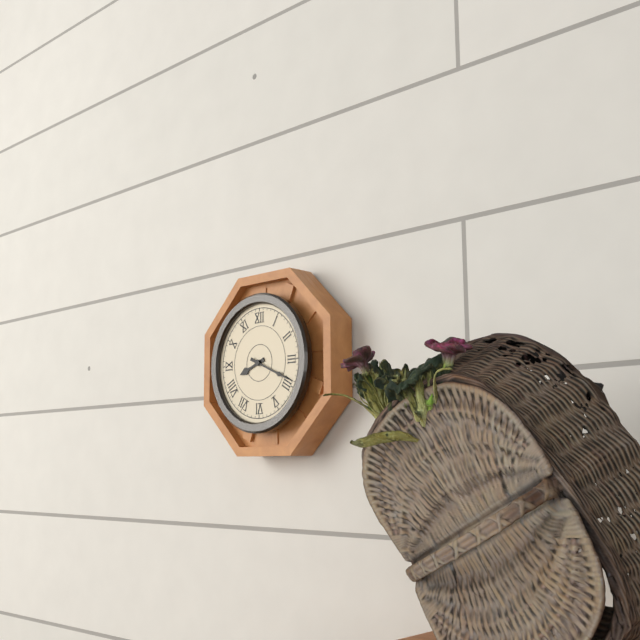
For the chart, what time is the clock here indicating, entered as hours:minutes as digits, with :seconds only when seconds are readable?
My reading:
8:19
